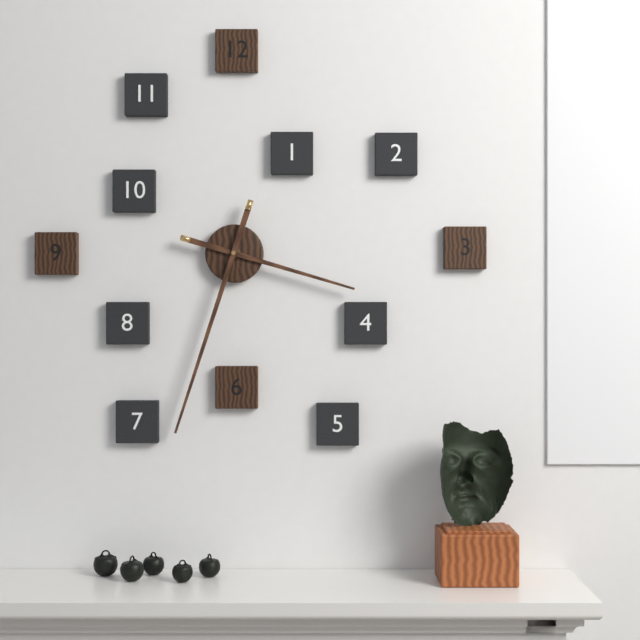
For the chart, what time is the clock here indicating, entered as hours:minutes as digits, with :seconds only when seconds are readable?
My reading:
3:33
